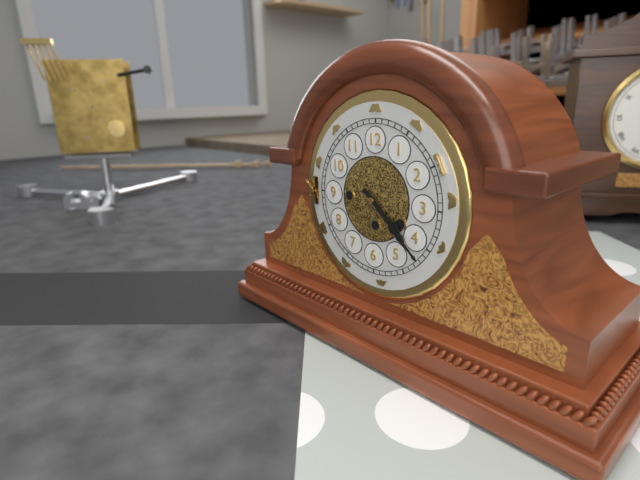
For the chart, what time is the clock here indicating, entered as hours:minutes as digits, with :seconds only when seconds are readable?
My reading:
4:22
